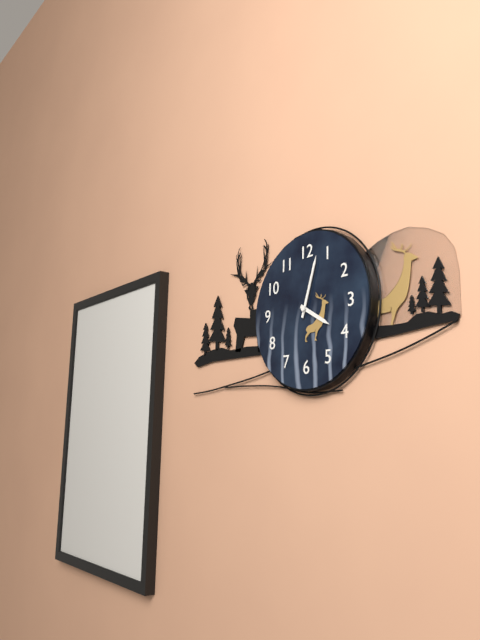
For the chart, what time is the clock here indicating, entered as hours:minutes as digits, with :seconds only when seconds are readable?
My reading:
4:03
